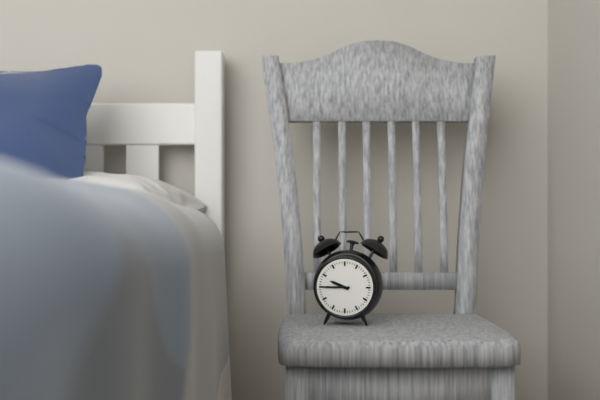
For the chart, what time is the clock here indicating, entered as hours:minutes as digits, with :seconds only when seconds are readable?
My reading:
9:45
